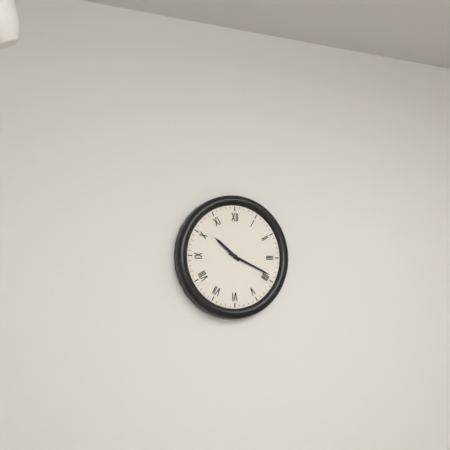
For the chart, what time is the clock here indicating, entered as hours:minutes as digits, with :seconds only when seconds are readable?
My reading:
10:19
